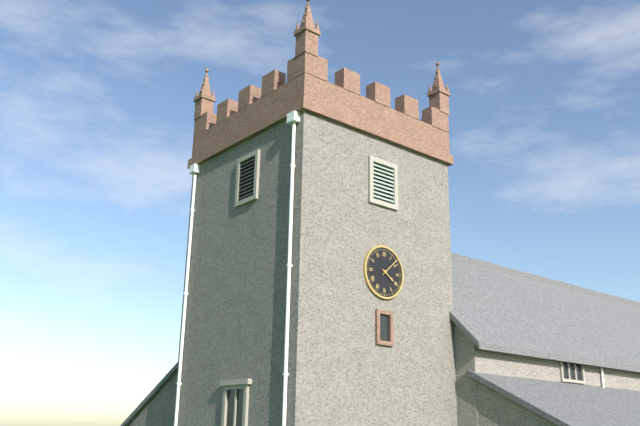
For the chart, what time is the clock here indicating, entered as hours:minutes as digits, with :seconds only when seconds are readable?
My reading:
4:08
